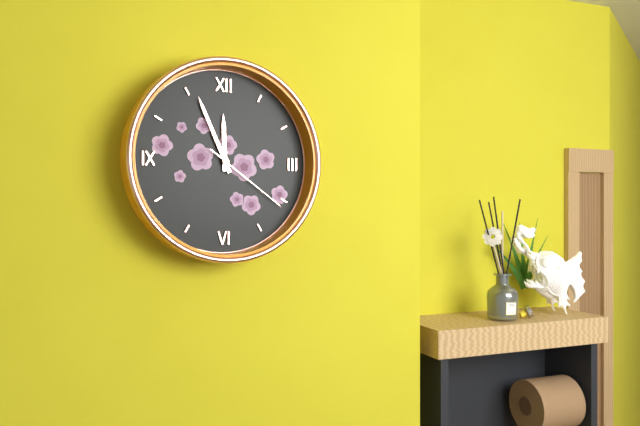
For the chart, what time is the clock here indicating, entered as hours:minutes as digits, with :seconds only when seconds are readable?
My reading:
11:56:21
